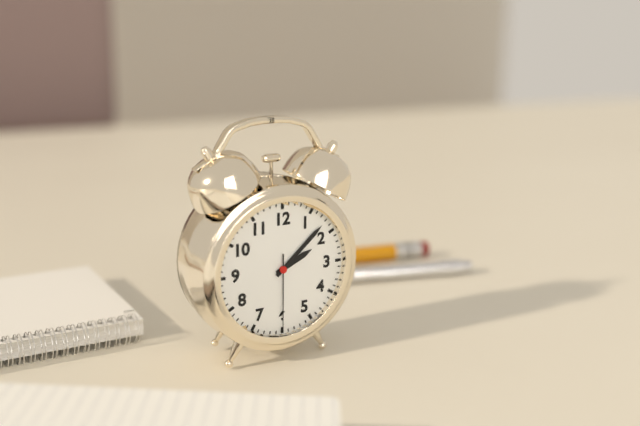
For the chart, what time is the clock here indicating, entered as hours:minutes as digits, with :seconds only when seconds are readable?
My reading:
2:08:30
